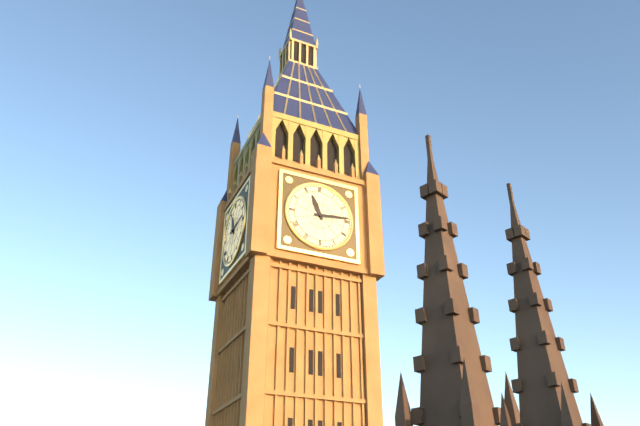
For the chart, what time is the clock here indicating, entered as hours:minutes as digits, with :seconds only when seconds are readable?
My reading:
11:14
